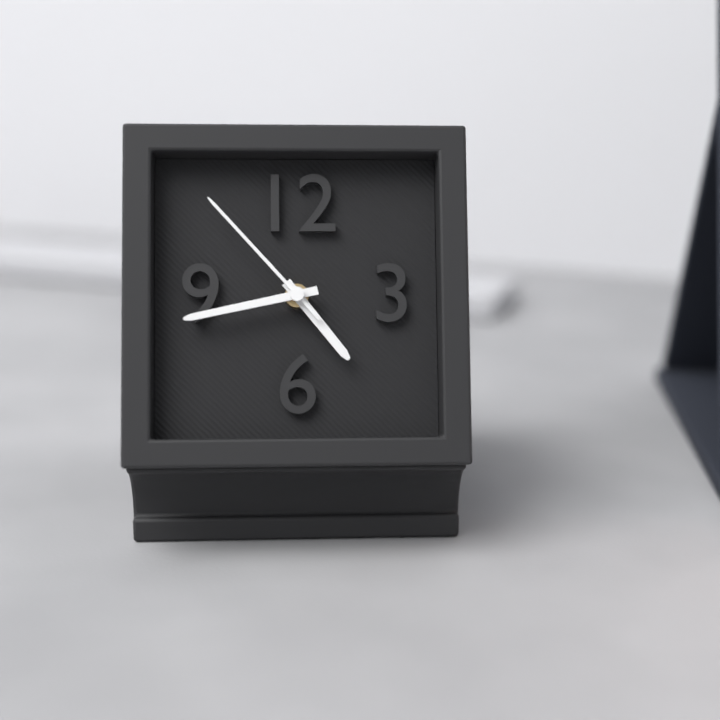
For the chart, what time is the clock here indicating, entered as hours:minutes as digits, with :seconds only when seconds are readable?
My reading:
4:43:53
